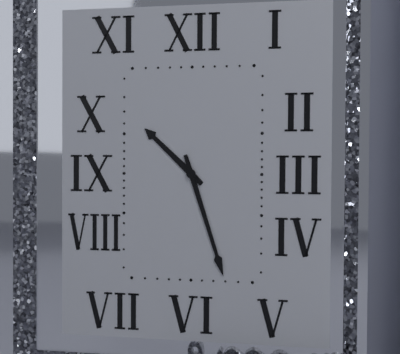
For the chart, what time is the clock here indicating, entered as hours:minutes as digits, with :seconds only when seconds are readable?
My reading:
10:27
